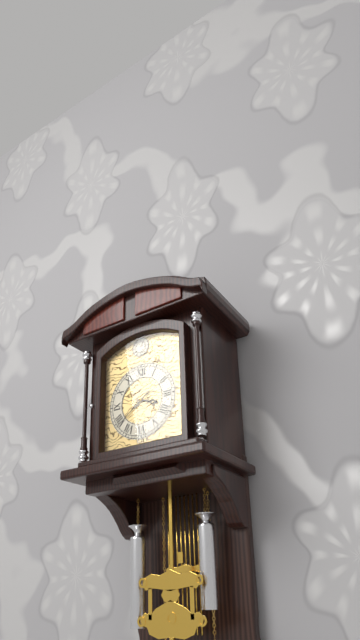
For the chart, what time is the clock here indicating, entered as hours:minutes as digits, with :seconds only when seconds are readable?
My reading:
3:39
